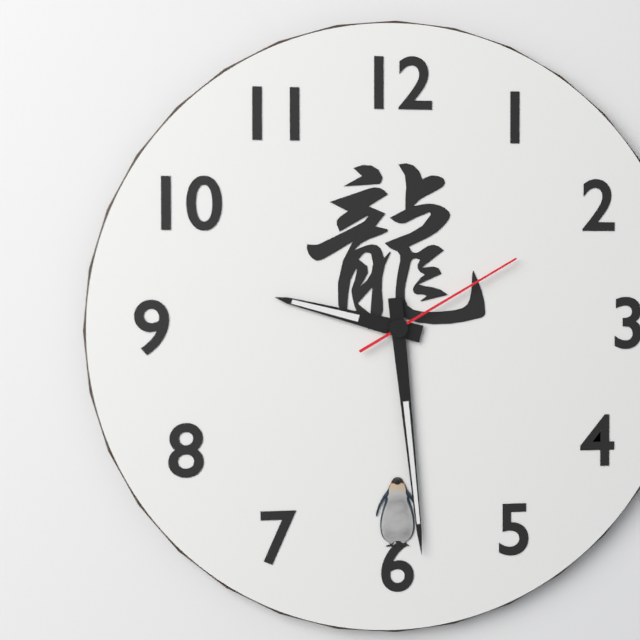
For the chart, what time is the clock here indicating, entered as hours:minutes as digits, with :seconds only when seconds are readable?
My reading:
9:29:10
